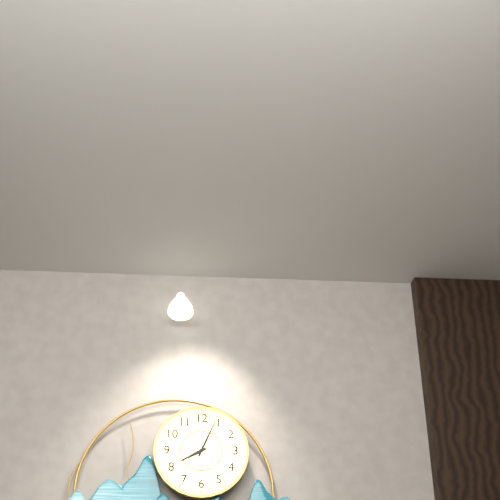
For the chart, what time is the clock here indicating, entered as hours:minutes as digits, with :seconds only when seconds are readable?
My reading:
8:04
